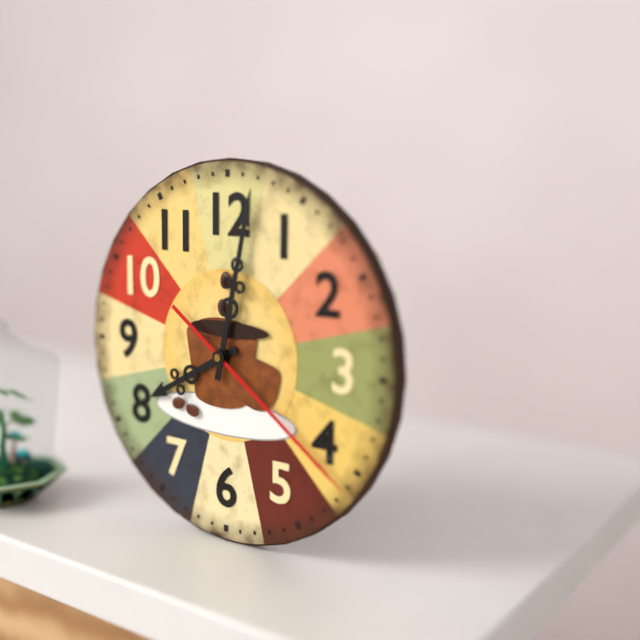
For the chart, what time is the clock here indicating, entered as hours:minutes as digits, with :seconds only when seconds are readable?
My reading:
8:02:21
